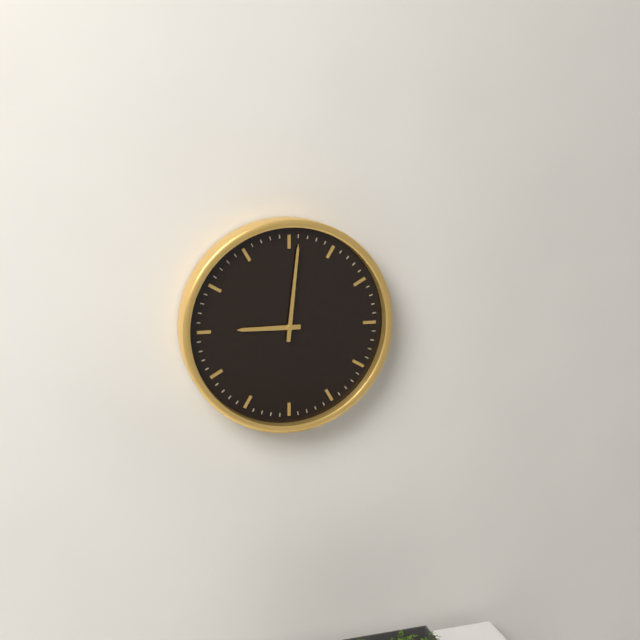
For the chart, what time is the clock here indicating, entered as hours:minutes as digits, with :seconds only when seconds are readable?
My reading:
9:01
